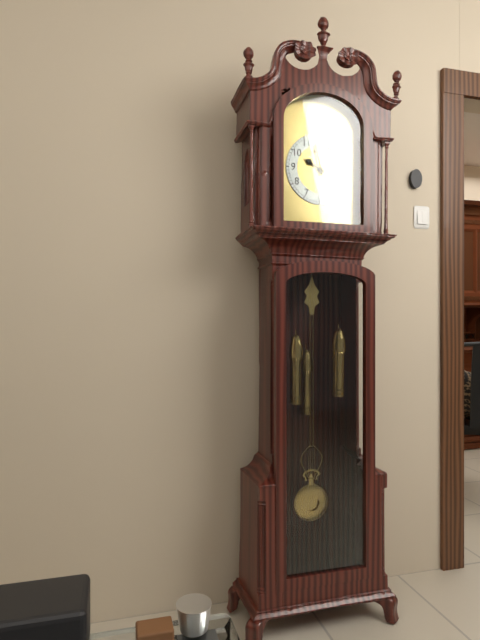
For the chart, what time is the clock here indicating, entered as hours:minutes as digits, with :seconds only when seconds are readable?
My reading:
9:58
